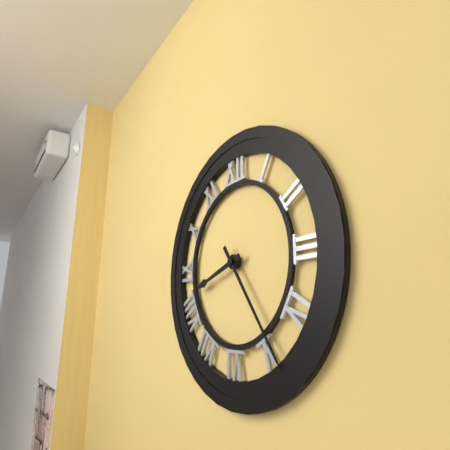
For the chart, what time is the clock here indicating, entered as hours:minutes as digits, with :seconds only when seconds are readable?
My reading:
8:24
